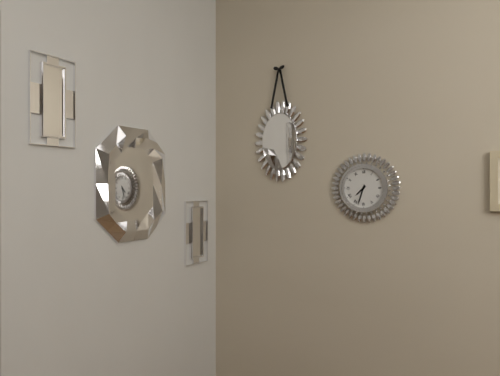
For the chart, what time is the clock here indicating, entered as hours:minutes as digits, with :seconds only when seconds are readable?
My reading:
7:33
